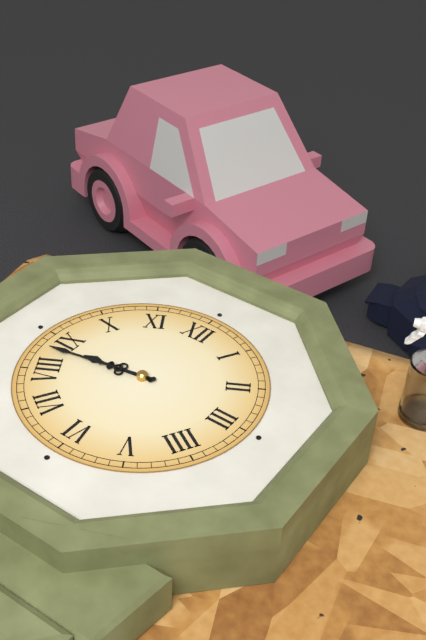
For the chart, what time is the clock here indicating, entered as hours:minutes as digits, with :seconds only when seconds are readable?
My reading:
8:43
